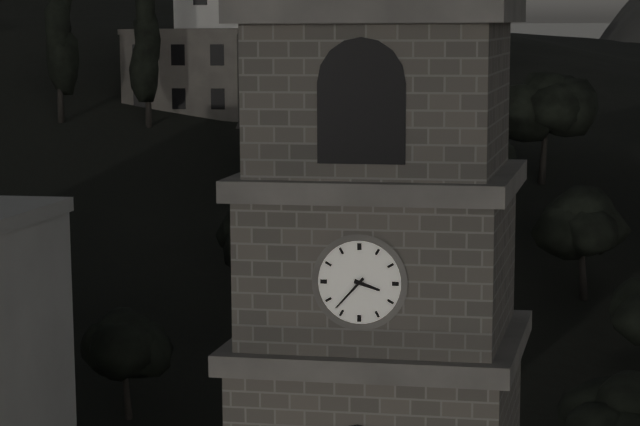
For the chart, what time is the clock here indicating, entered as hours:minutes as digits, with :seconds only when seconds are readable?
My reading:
3:37
